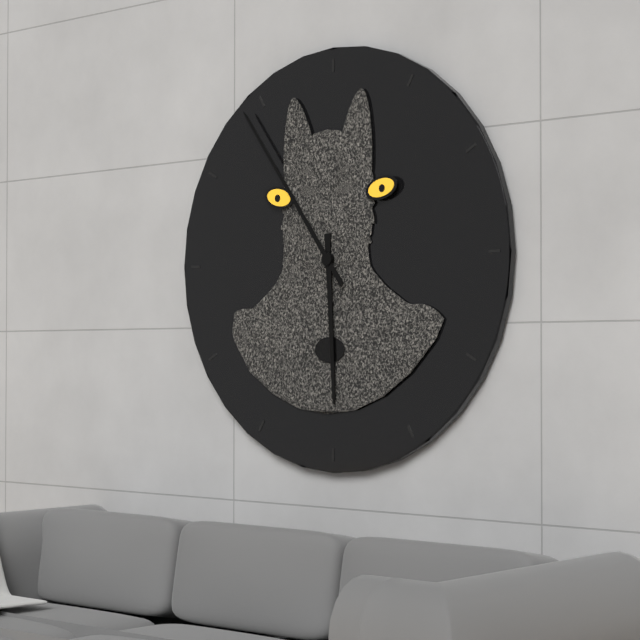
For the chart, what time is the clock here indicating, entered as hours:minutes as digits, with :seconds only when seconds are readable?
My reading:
5:54
